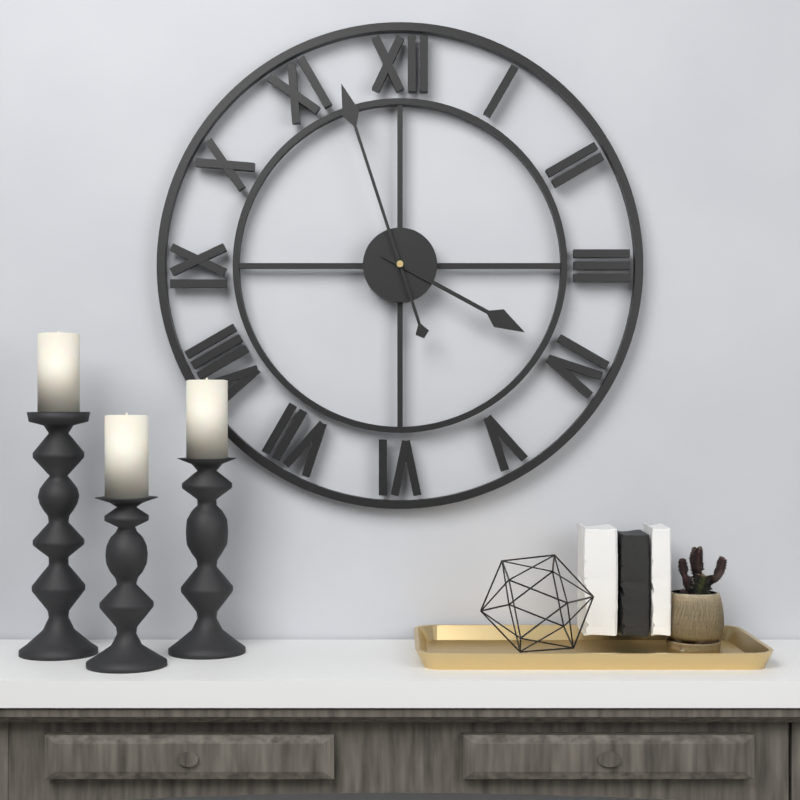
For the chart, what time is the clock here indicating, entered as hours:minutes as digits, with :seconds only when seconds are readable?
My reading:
3:57
